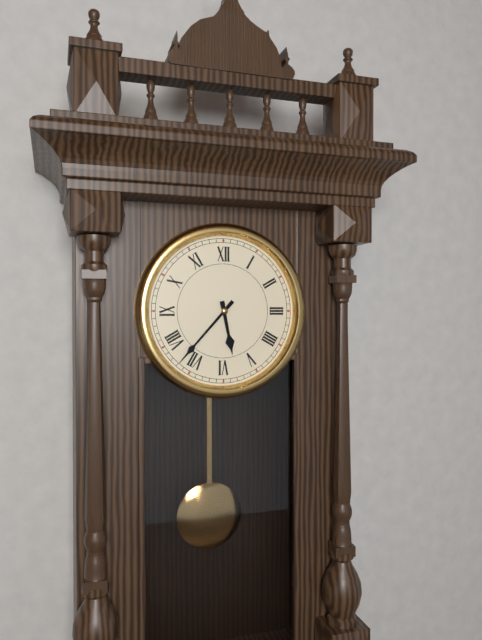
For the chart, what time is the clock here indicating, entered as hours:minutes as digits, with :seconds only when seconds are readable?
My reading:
5:37
